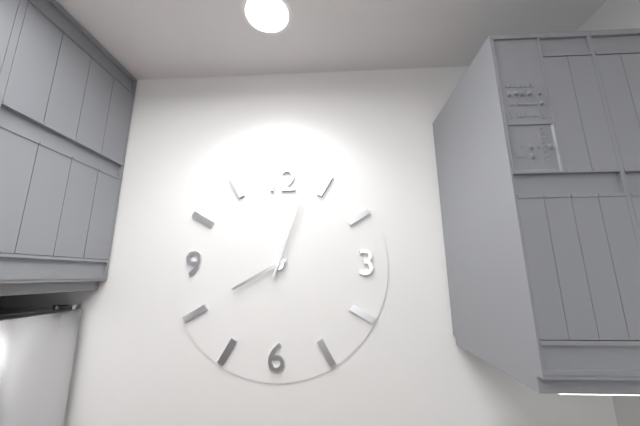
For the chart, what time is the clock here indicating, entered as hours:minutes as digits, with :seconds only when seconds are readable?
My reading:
8:03
